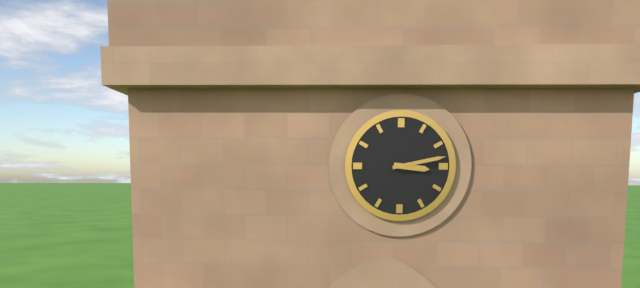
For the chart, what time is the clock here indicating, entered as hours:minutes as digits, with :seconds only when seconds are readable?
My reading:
3:13
